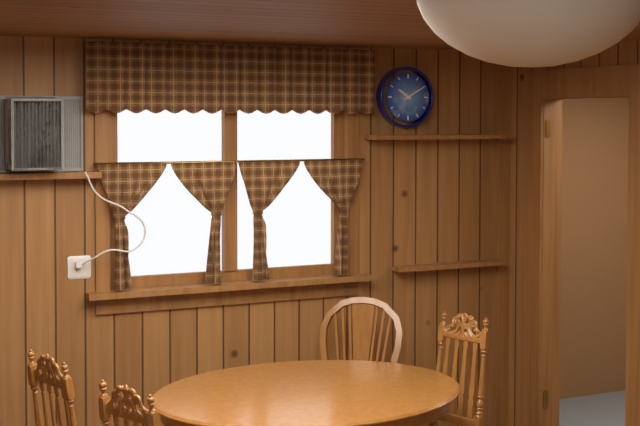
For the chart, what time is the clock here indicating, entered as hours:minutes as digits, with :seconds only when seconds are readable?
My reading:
10:10
